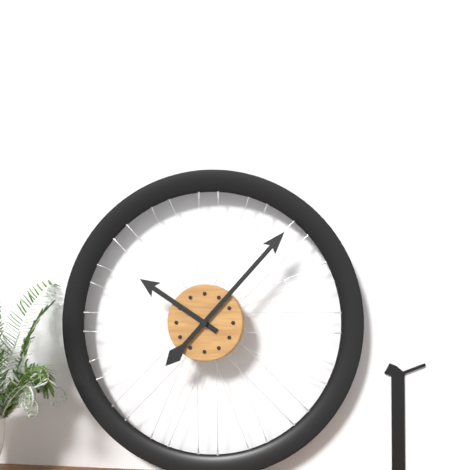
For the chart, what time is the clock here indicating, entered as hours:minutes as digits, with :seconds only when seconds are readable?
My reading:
10:07
